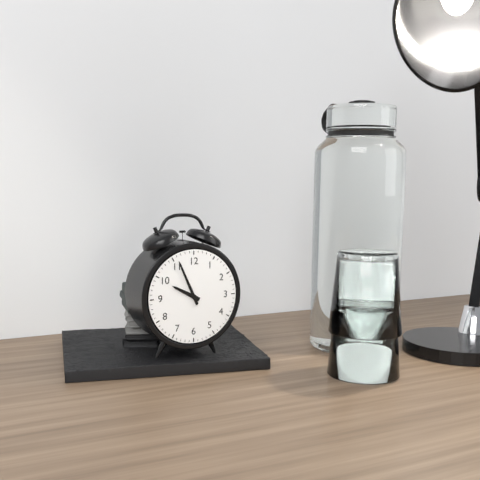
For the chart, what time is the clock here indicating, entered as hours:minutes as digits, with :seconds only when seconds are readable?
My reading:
9:56
